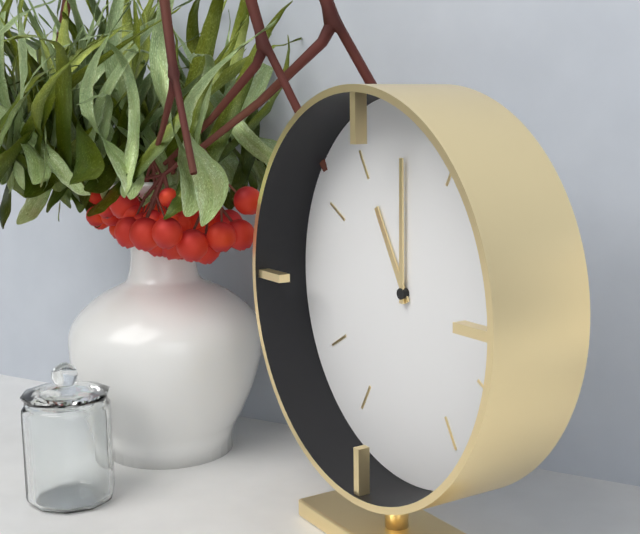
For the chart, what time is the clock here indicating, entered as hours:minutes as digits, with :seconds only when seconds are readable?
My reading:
11:00
